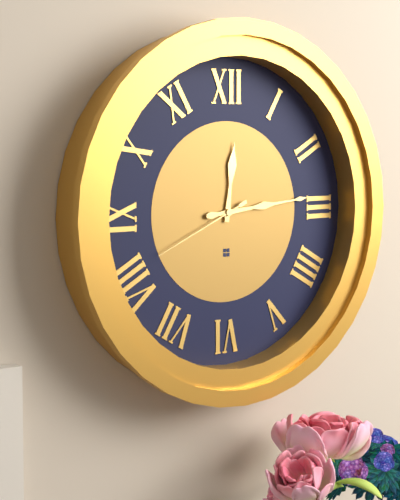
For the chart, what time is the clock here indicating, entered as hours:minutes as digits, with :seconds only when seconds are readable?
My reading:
12:14:41
